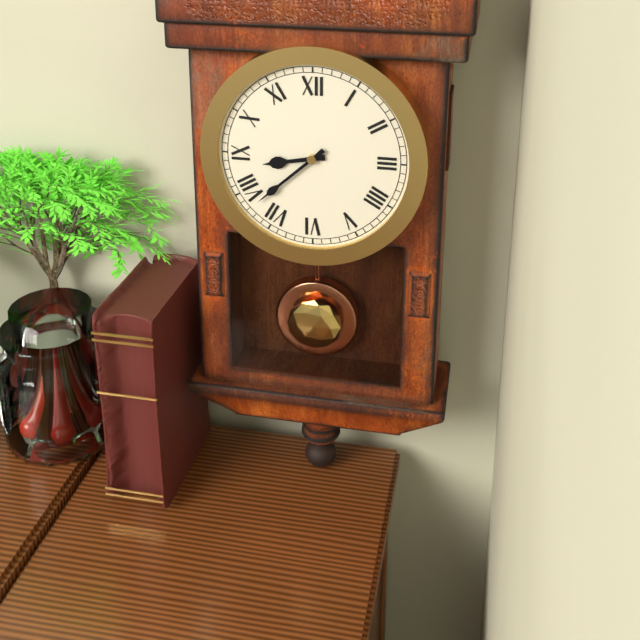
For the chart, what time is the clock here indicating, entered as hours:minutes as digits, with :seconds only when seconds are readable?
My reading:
8:38
